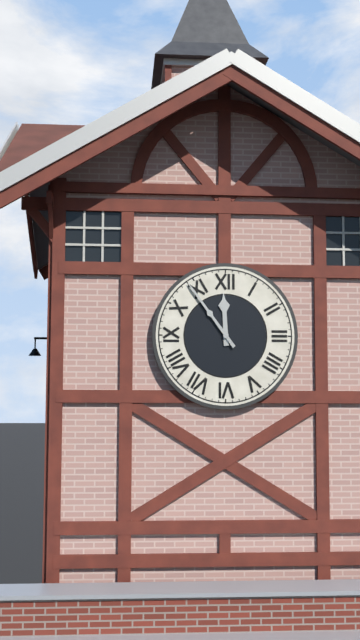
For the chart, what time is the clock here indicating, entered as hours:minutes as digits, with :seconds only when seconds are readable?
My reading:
11:54
